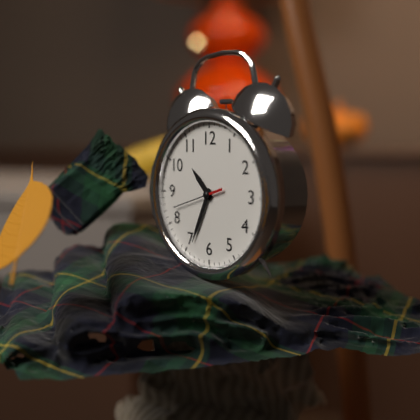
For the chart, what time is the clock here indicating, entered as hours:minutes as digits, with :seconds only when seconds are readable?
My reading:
10:34
